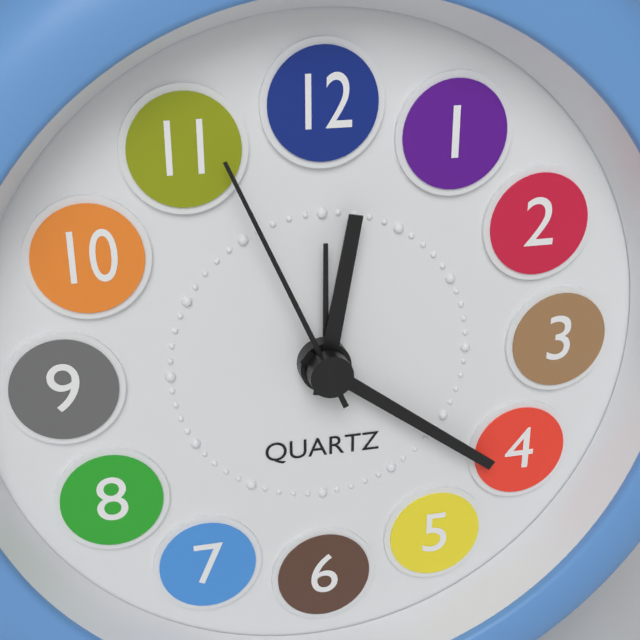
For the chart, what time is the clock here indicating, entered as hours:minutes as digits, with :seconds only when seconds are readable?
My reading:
12:21:56
